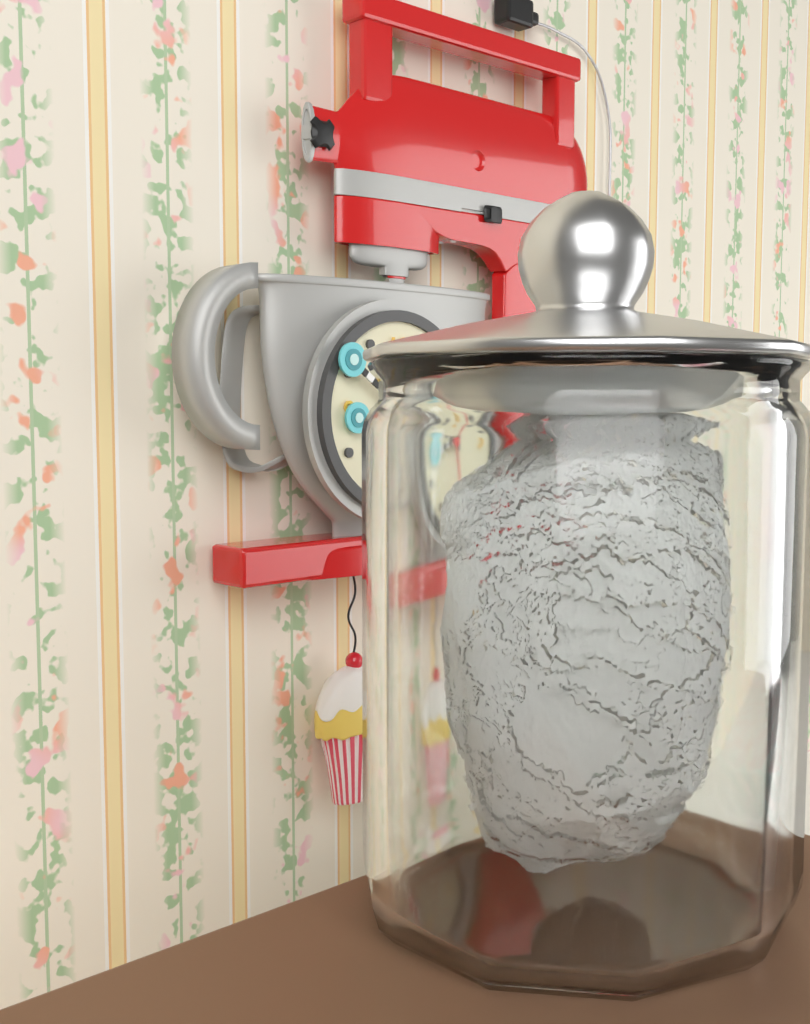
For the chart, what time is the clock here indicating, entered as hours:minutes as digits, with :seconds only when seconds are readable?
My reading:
8:51:28
